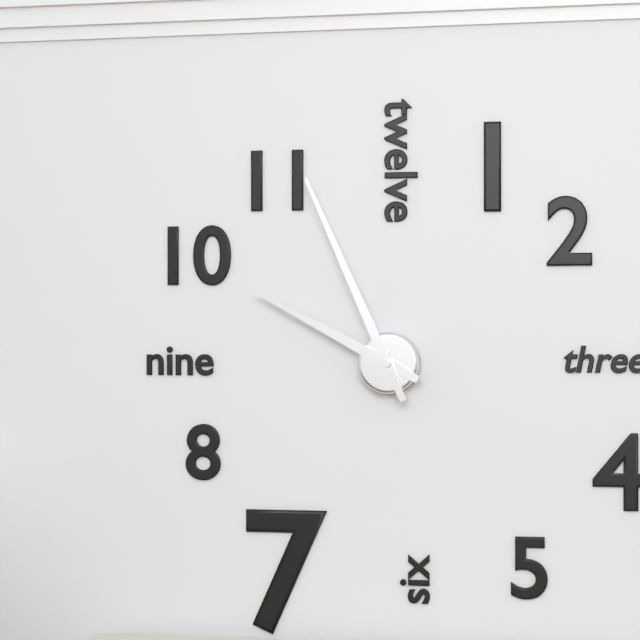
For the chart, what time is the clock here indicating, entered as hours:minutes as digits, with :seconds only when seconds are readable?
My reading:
9:56
